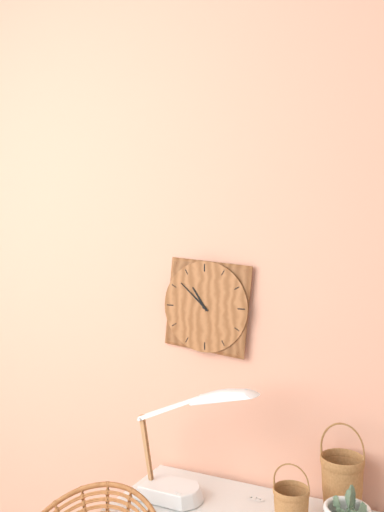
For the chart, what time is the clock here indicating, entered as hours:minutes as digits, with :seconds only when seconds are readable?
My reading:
10:52
